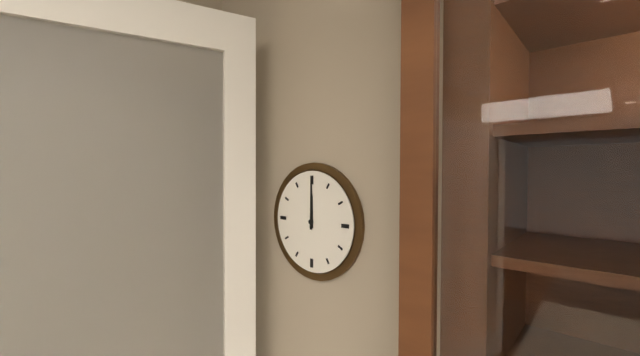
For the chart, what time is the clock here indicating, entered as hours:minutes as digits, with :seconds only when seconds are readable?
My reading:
12:00
